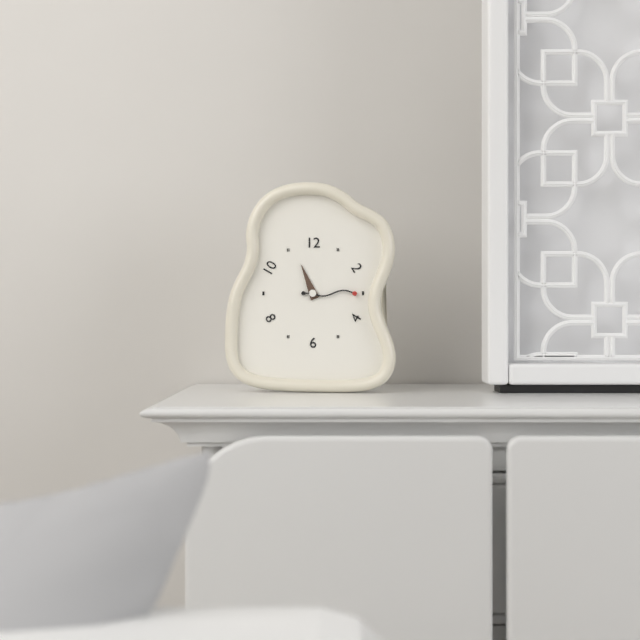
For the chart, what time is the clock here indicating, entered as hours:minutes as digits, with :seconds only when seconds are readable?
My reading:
11:15
